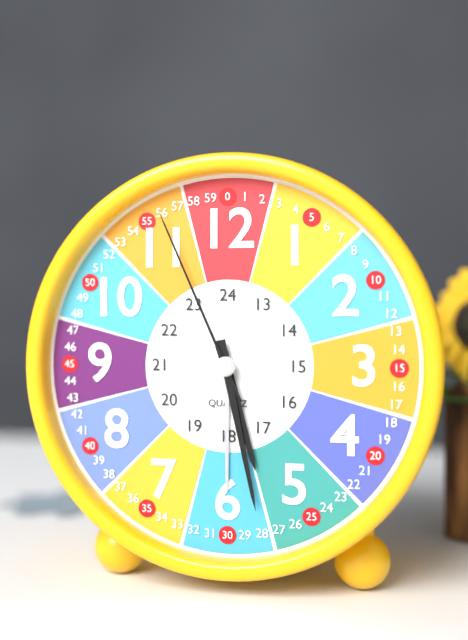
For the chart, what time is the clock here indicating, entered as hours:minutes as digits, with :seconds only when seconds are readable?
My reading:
5:28:56
